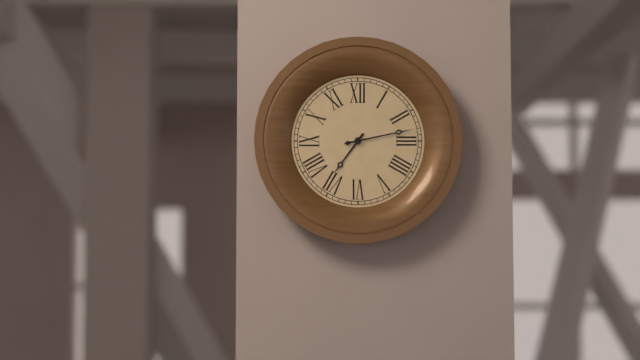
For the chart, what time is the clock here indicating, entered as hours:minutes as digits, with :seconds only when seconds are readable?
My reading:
7:13
